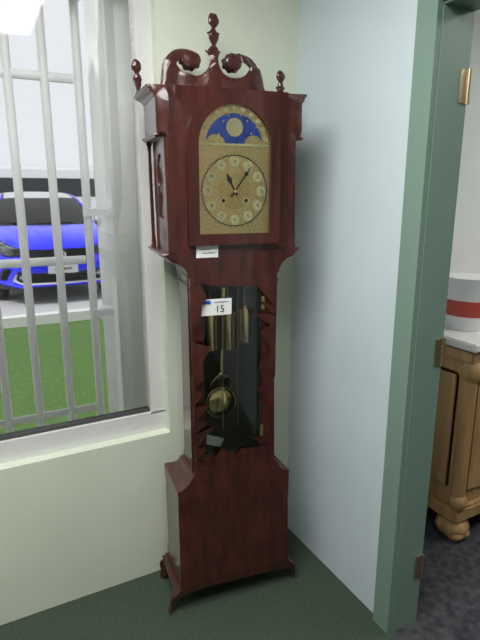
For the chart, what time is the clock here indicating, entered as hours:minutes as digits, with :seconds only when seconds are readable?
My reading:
11:06
